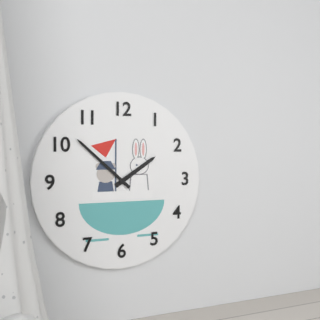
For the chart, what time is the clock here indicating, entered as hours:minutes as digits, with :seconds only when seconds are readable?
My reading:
1:52
